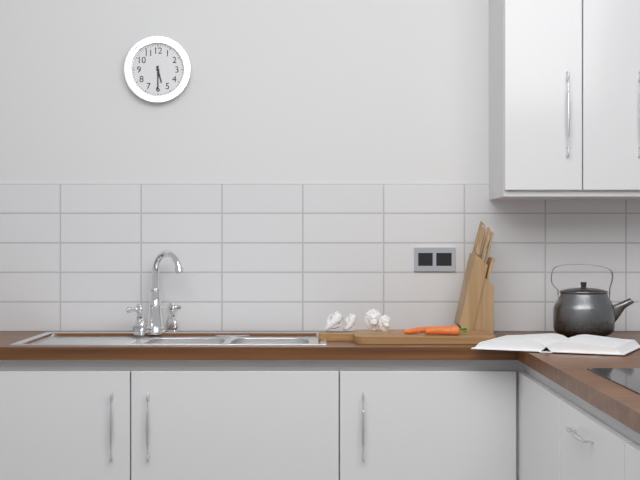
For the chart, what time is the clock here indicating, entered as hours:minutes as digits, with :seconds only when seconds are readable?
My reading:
5:30
